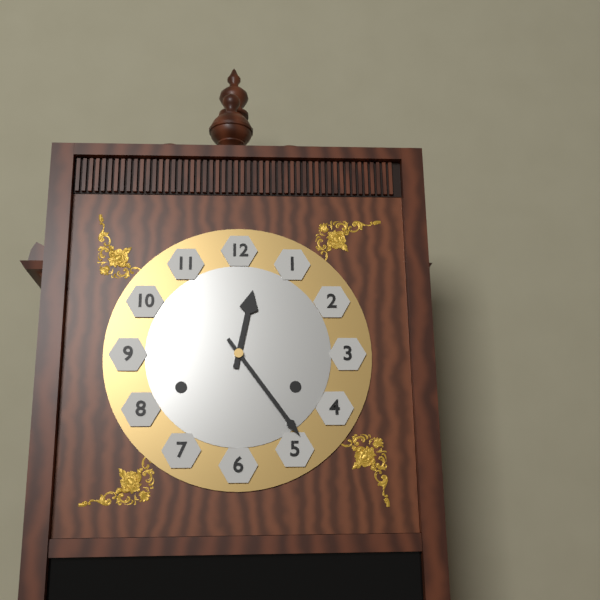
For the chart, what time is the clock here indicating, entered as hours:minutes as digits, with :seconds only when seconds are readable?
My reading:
12:24
